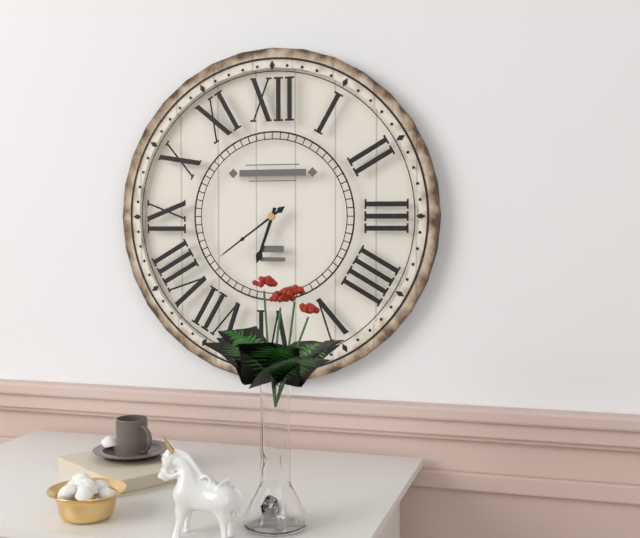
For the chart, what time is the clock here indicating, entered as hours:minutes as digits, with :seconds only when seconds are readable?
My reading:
6:39
